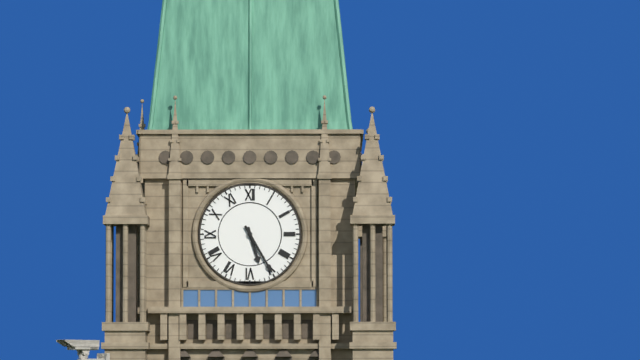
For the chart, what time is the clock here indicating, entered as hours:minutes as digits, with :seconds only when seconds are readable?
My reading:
5:25
